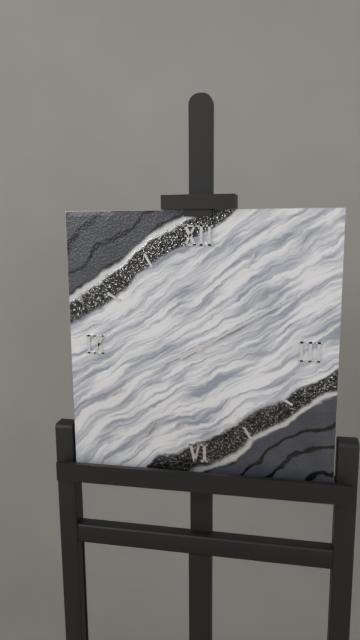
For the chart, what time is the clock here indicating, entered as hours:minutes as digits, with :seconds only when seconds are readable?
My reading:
8:10
